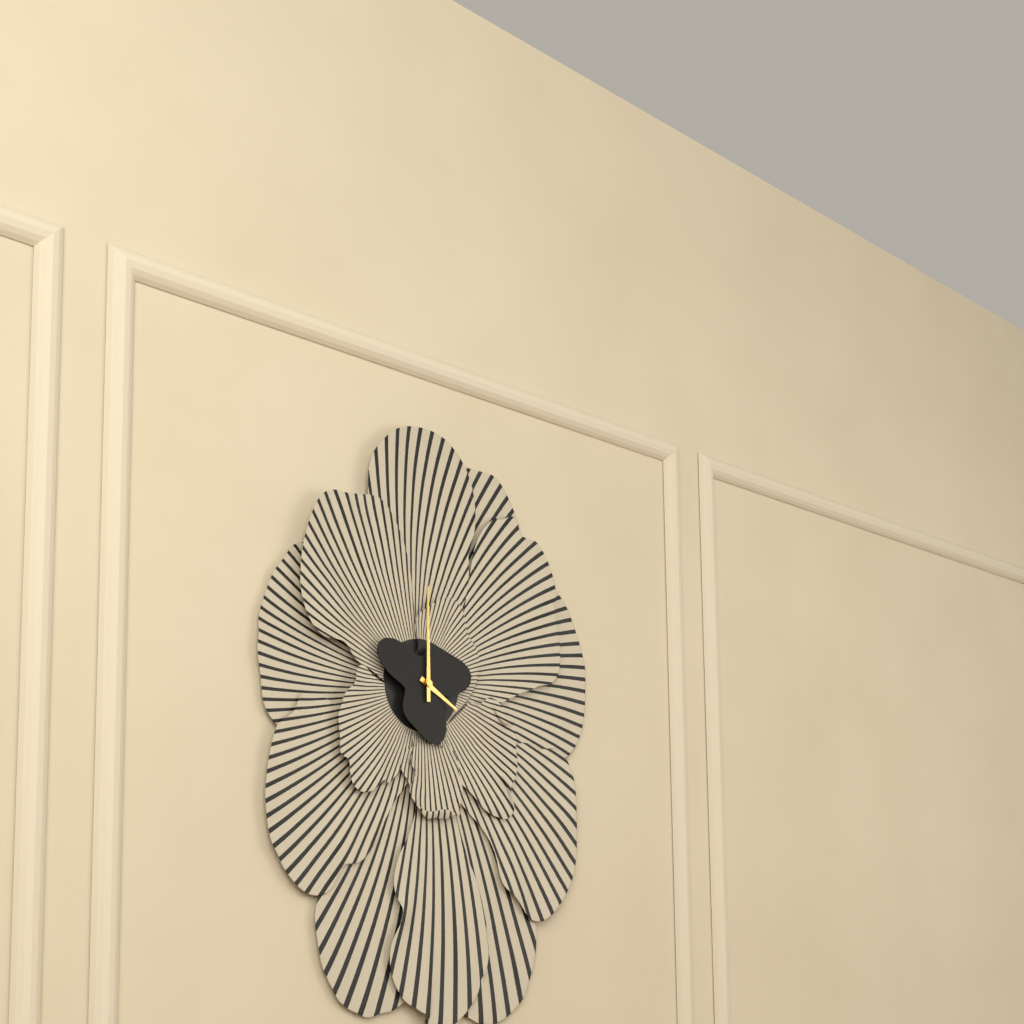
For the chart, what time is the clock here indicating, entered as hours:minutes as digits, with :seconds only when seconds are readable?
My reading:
4:00
